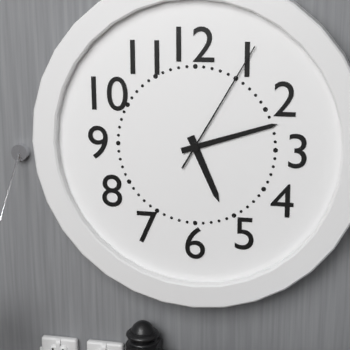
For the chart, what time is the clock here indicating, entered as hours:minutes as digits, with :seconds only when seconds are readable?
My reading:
5:12:05
